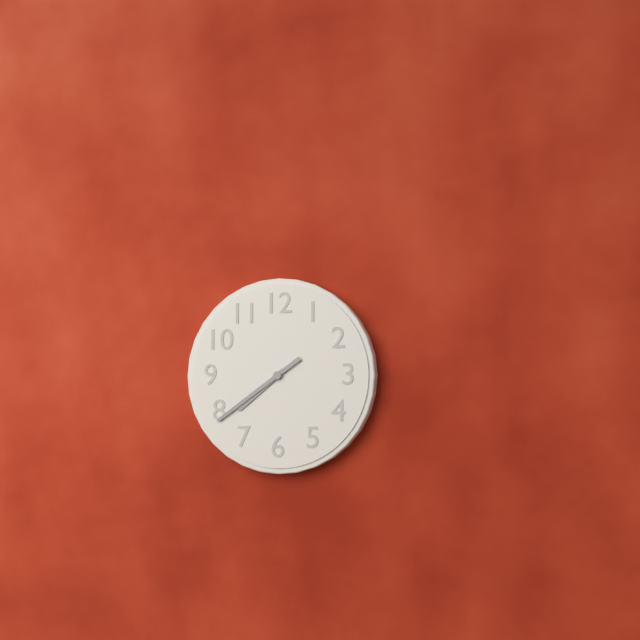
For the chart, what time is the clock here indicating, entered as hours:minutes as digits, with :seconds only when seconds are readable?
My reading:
7:39
